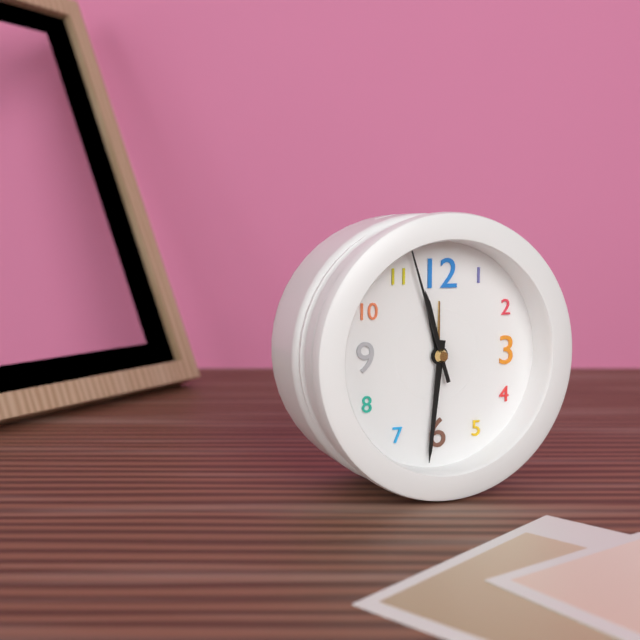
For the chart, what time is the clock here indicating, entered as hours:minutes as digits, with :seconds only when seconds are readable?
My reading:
11:31:57
